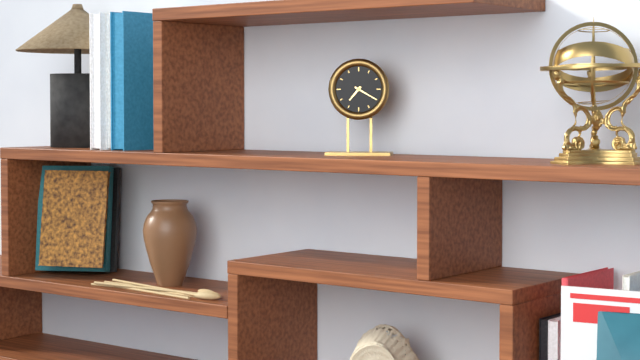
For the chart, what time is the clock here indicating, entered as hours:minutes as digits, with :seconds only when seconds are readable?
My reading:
7:20
